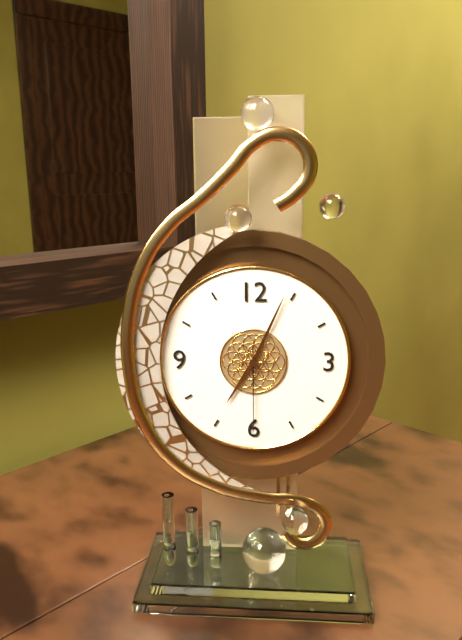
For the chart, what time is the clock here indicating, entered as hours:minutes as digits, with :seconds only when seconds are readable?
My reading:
7:04:30
